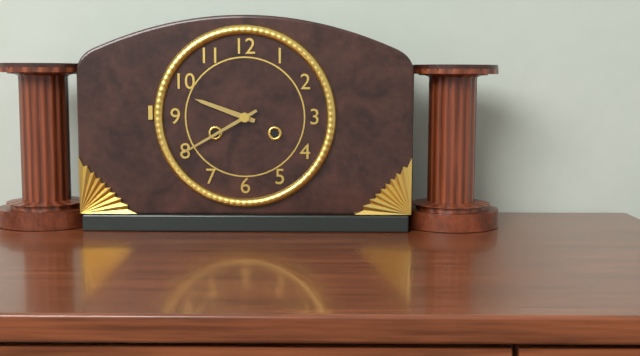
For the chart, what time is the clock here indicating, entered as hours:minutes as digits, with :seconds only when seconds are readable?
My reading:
9:40
